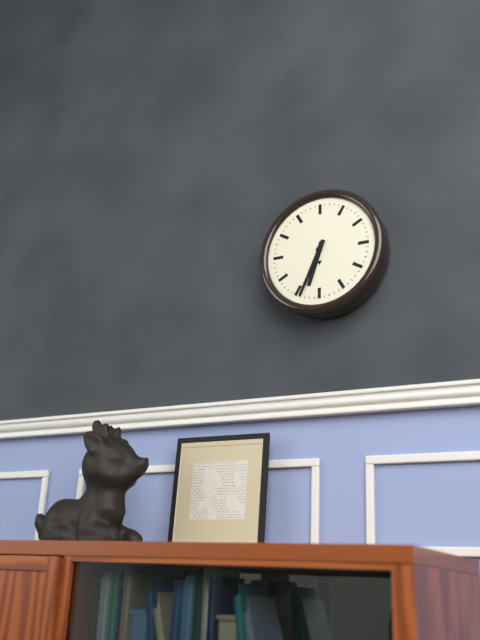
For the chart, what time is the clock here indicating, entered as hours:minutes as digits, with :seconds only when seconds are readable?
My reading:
6:34
